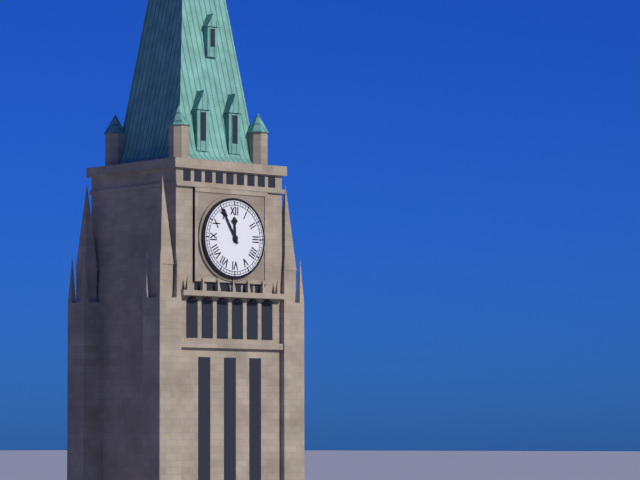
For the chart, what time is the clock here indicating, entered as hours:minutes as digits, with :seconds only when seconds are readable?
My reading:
11:55
